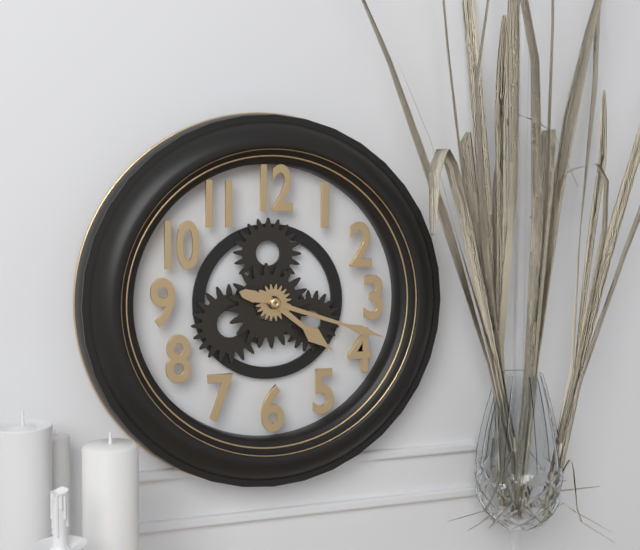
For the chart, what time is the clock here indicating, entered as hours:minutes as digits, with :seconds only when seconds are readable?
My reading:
4:18
